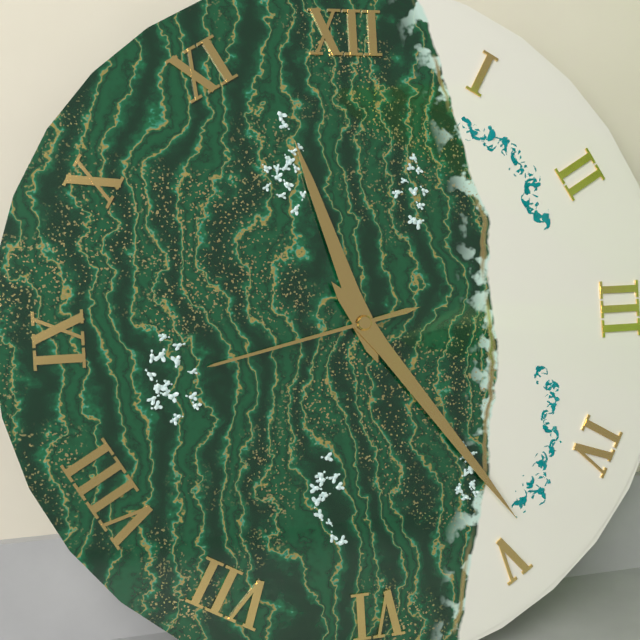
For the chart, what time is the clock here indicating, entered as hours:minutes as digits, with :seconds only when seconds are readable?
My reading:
11:24:43
